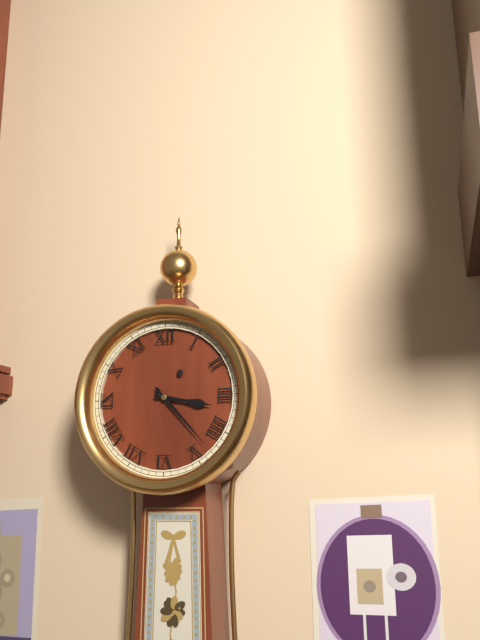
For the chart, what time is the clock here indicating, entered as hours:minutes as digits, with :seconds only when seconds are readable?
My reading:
3:23
